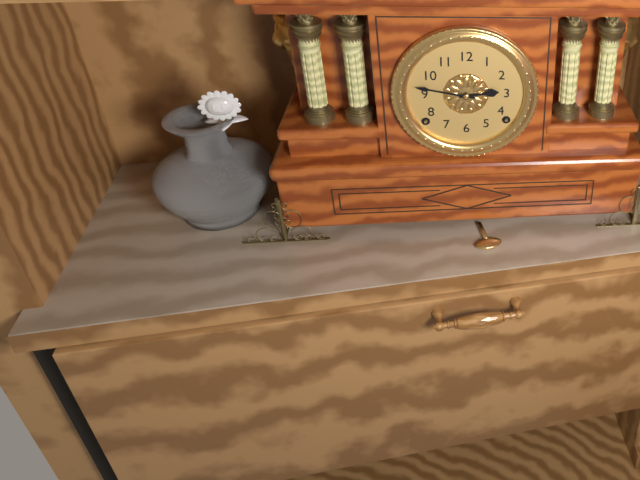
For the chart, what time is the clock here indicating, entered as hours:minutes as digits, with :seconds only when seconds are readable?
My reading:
2:47
